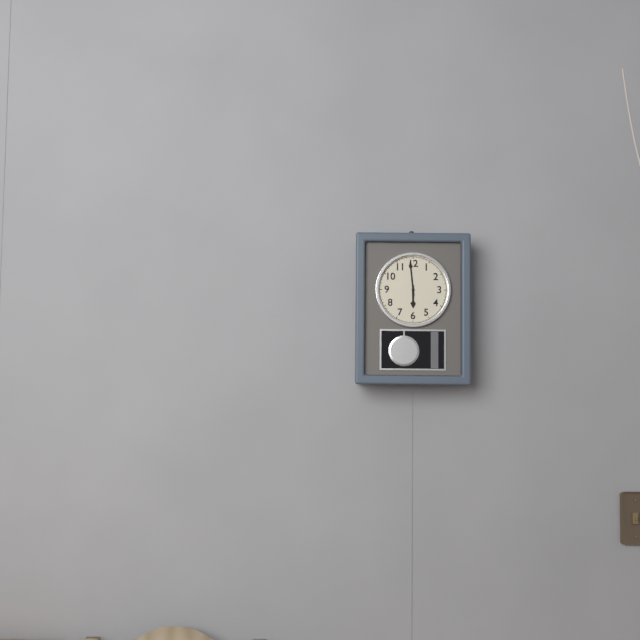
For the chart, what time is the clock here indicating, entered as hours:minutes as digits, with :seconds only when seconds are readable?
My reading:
5:59
